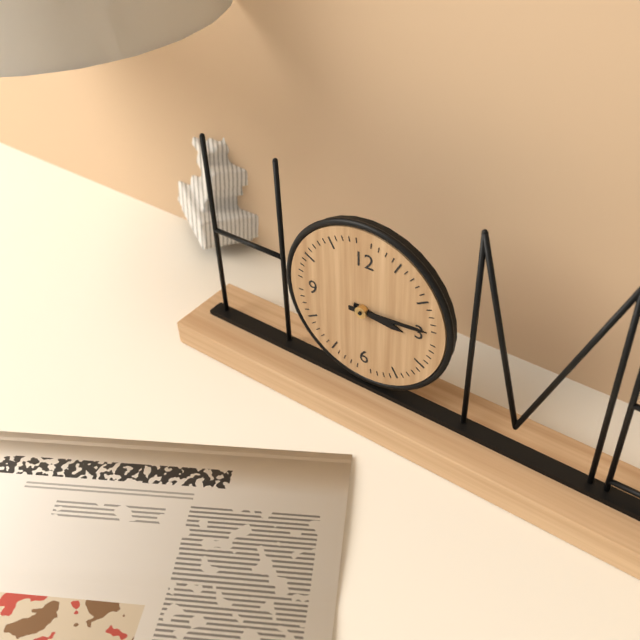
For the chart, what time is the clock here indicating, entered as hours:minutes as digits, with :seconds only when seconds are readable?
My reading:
3:14
